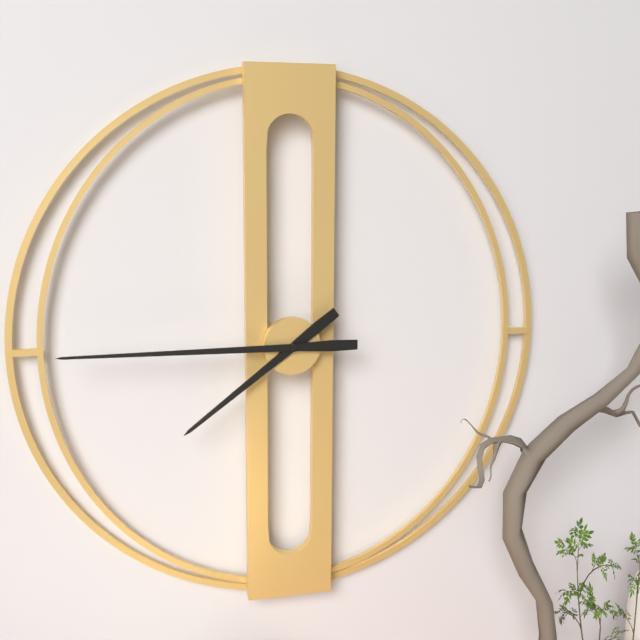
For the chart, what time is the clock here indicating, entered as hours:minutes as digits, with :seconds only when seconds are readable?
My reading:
7:45
